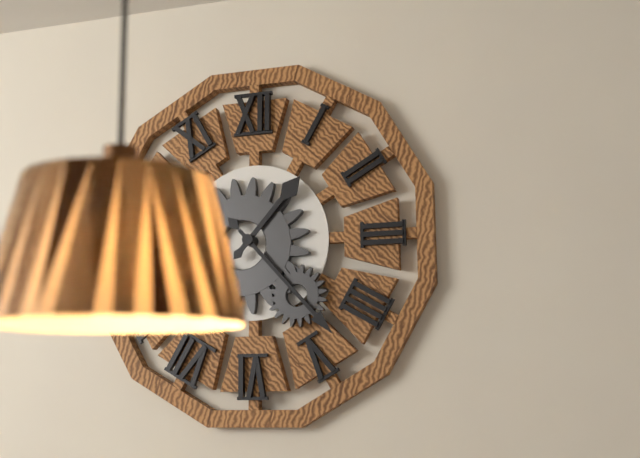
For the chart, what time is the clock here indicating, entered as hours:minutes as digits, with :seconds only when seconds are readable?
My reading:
1:23
